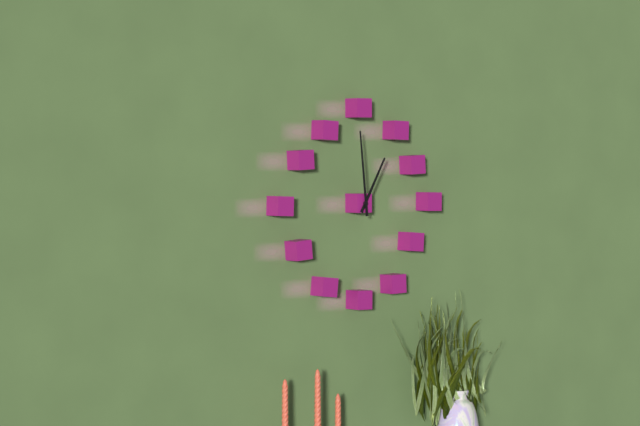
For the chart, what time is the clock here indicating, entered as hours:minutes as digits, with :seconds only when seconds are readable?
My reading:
12:59
